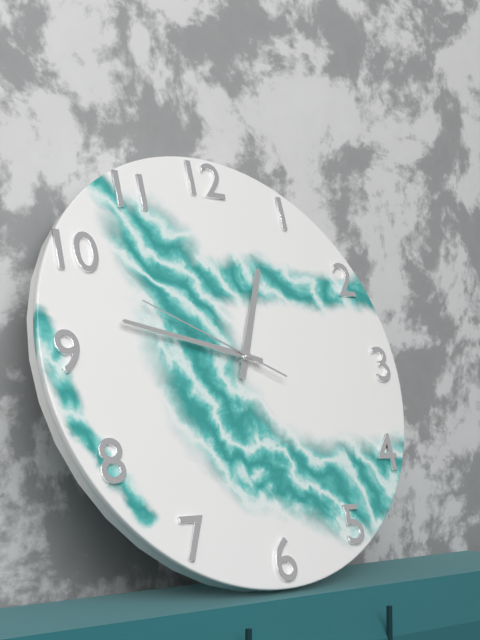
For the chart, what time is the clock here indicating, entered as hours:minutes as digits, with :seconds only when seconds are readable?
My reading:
12:47:49
